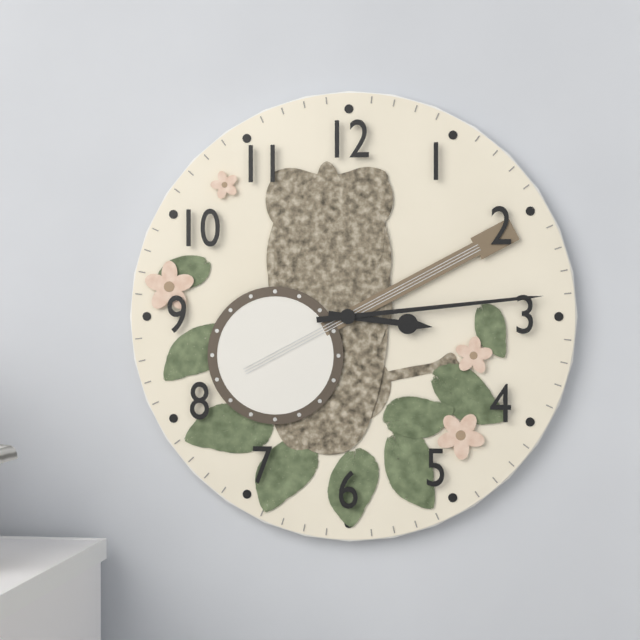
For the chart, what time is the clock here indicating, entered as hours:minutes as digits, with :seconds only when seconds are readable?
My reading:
3:14
